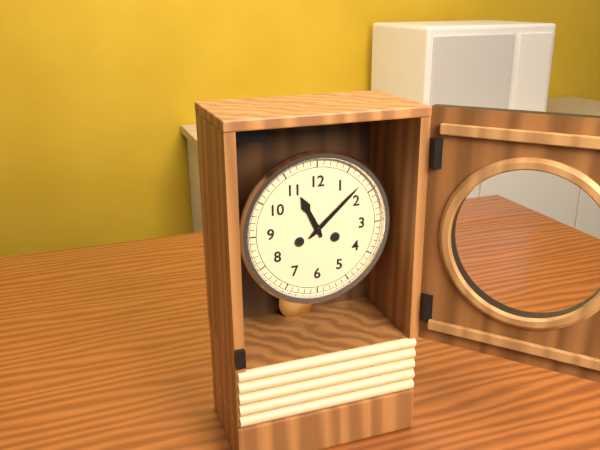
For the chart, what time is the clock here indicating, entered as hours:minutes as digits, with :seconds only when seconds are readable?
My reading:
11:08
